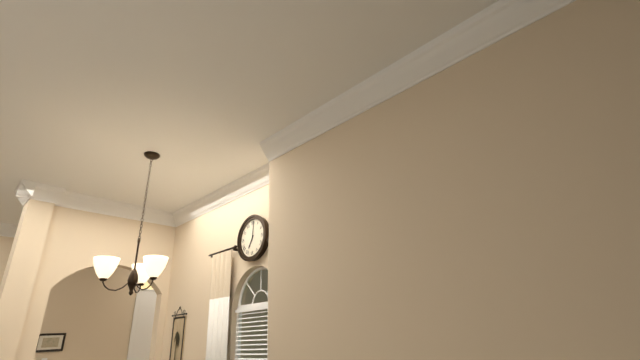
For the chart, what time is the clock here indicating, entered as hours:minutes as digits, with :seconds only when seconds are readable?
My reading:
7:01
